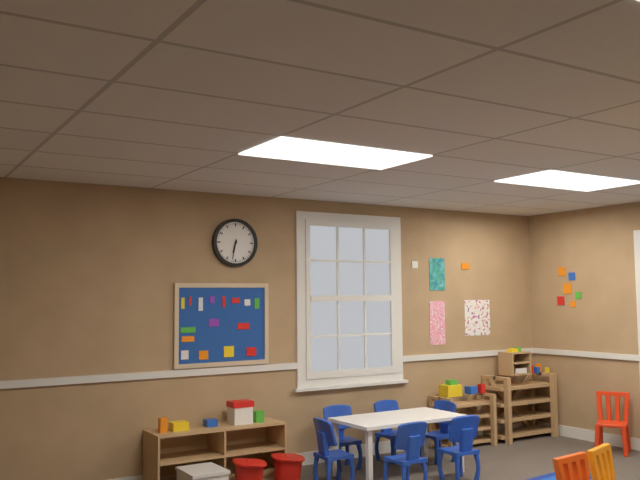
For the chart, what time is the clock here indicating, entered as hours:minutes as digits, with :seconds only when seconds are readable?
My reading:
6:32
